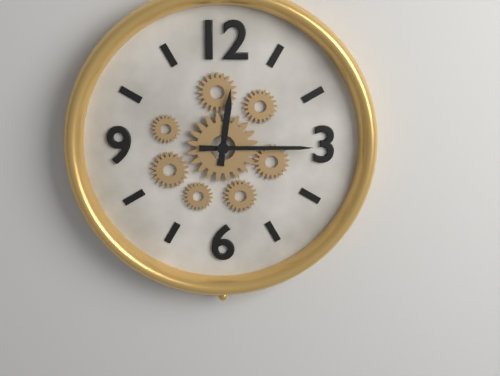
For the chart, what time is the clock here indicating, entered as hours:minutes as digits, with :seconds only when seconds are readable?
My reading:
12:15
